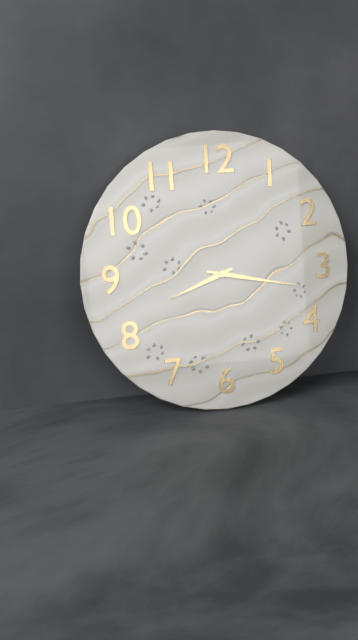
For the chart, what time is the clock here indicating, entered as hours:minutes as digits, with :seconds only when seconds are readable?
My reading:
8:17
